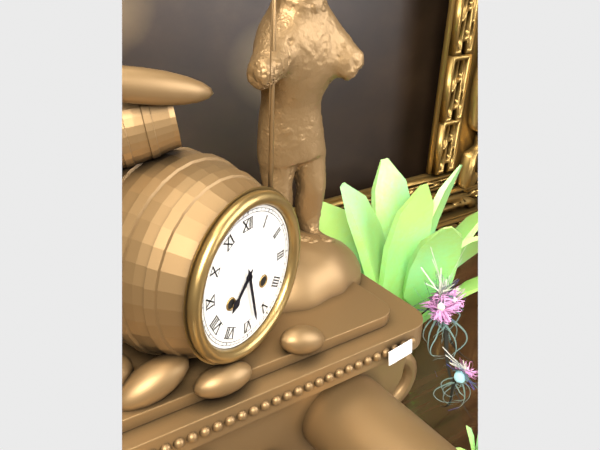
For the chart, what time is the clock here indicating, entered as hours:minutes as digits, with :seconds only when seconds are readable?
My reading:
7:28
